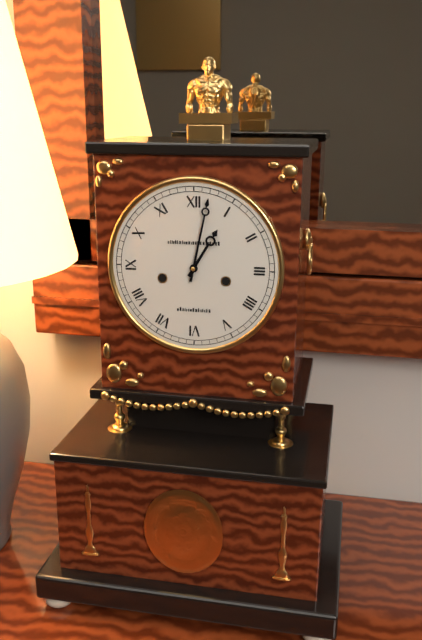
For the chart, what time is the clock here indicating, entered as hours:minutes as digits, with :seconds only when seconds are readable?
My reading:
1:02
